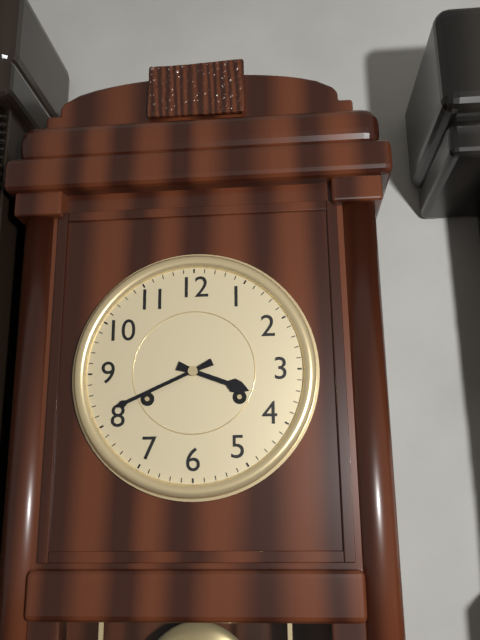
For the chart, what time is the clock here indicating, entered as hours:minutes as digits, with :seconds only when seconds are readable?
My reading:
3:41
